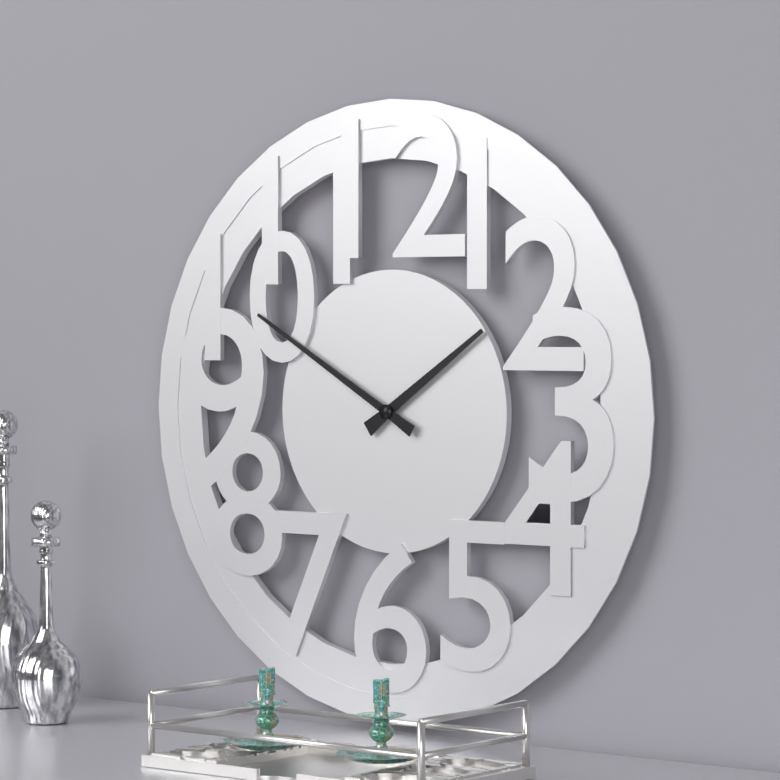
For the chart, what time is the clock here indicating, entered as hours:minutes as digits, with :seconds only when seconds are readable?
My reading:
1:50
